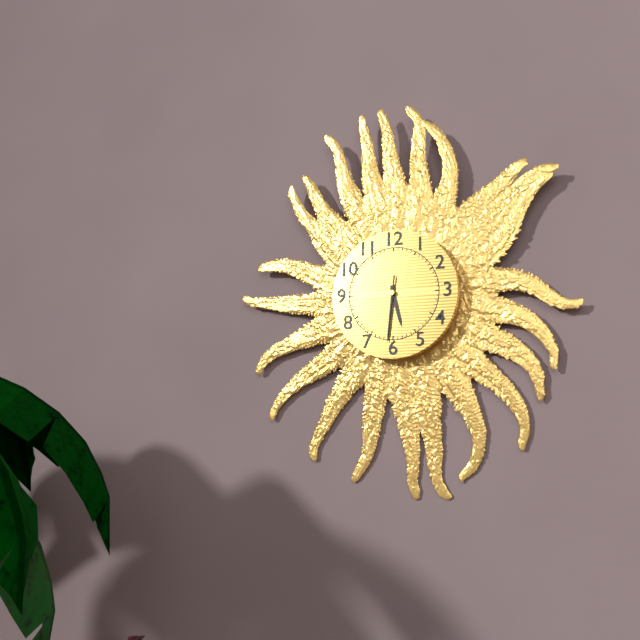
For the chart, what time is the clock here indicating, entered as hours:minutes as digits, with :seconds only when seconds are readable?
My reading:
5:31:31
